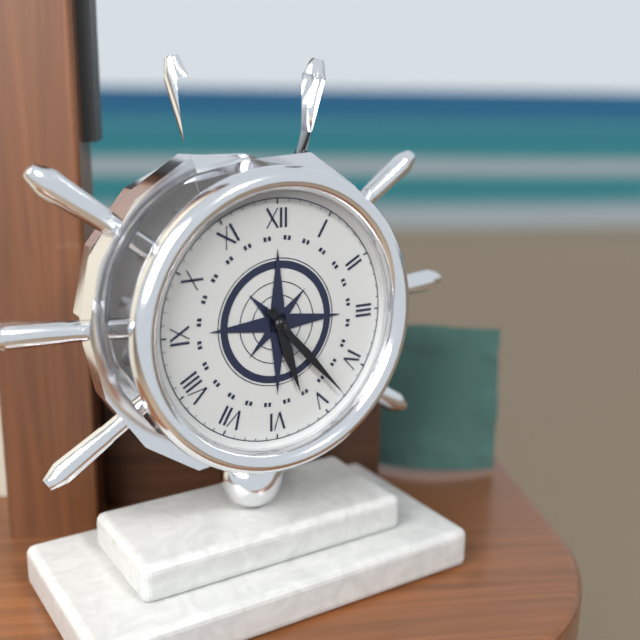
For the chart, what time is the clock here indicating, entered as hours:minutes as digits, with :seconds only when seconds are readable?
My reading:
5:23
